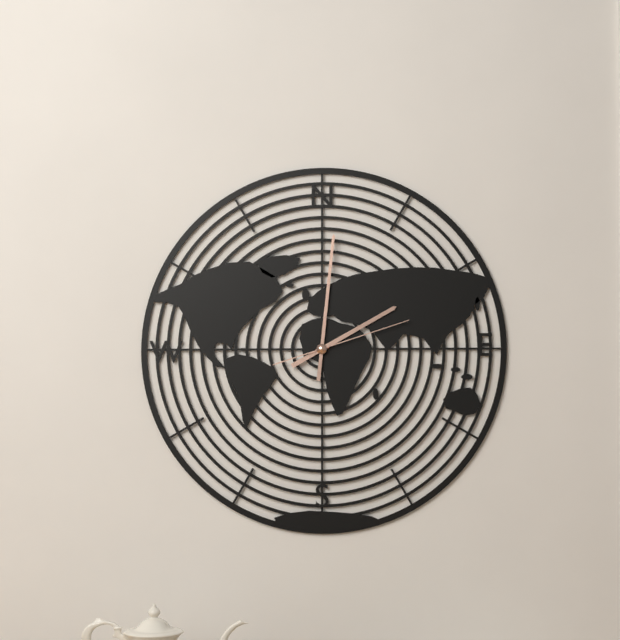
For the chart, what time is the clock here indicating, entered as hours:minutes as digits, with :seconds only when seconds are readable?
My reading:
2:01:12
